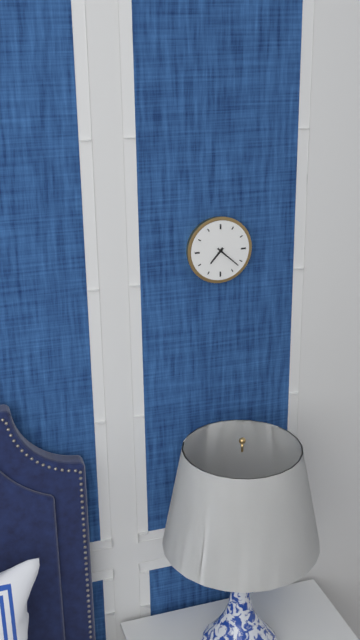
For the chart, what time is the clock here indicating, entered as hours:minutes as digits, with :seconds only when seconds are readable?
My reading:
7:22
